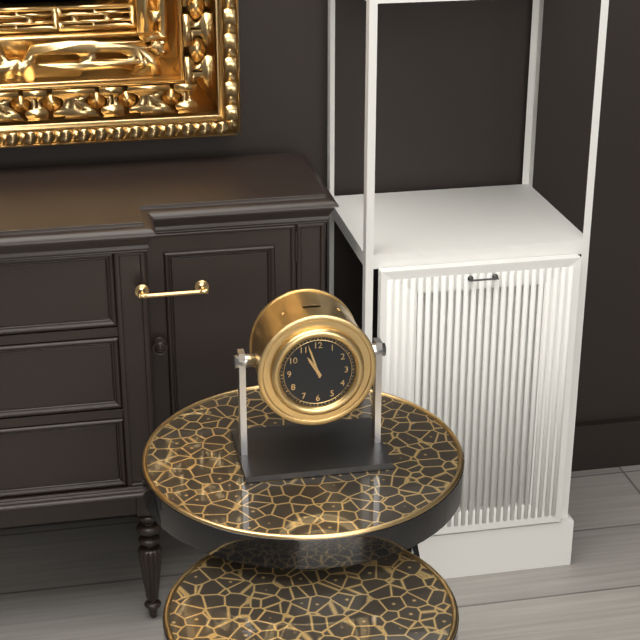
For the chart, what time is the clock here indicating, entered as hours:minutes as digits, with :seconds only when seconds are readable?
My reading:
10:57
